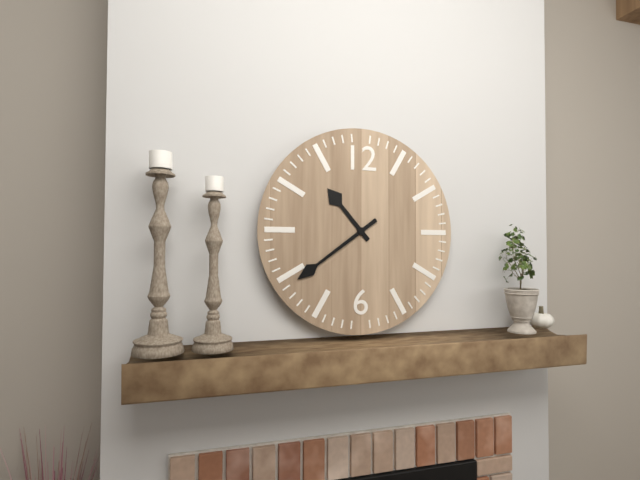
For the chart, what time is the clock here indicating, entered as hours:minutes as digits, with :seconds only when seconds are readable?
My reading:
10:39
